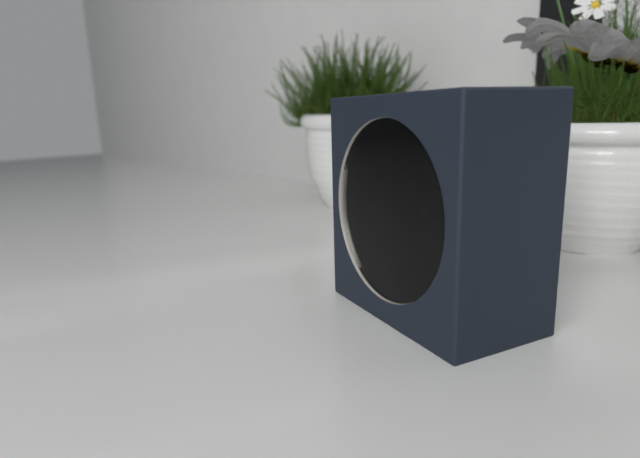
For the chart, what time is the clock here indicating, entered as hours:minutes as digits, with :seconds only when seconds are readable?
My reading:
2:24:40
